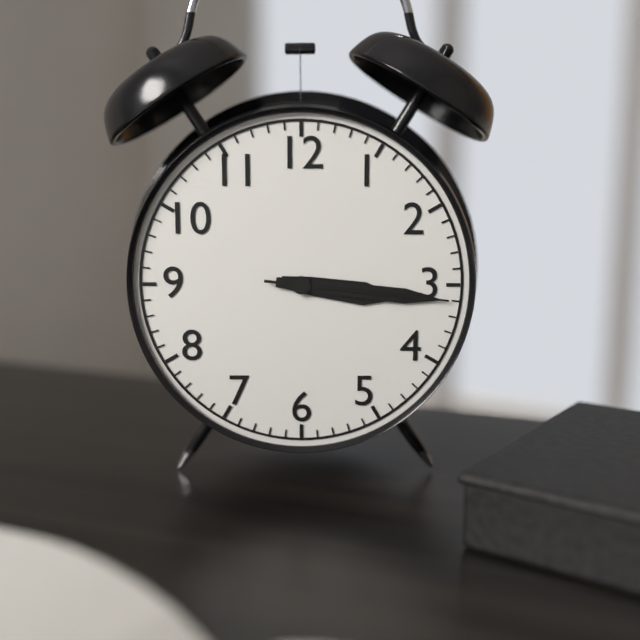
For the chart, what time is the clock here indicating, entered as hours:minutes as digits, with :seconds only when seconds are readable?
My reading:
3:16:16
